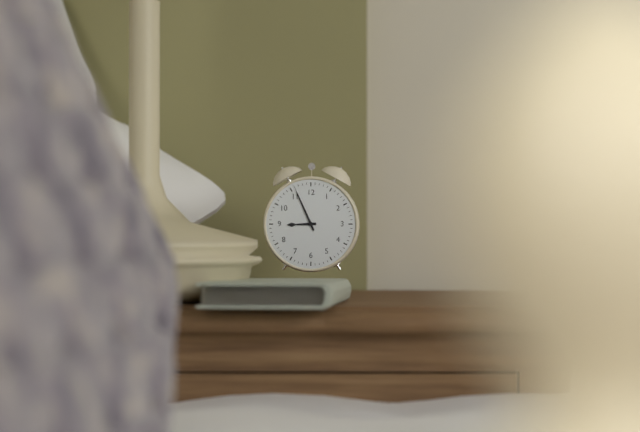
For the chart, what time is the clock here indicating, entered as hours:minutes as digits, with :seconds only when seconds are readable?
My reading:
8:56
